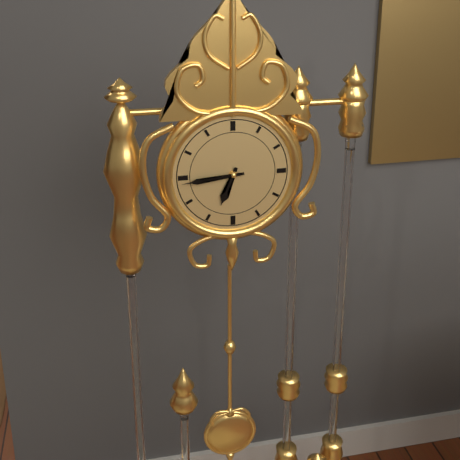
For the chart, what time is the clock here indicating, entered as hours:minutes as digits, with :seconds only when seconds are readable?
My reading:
6:44
